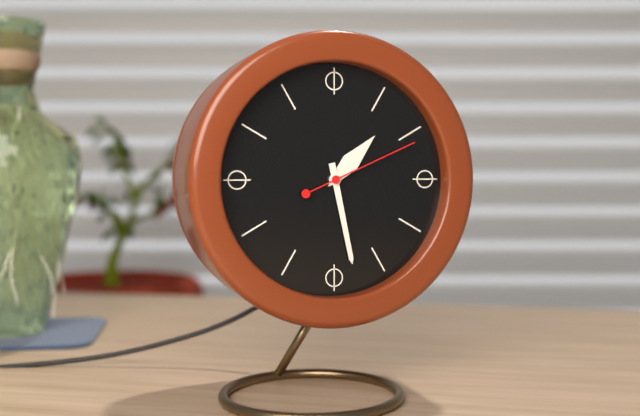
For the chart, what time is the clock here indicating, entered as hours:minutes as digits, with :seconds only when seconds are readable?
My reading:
1:28:11
